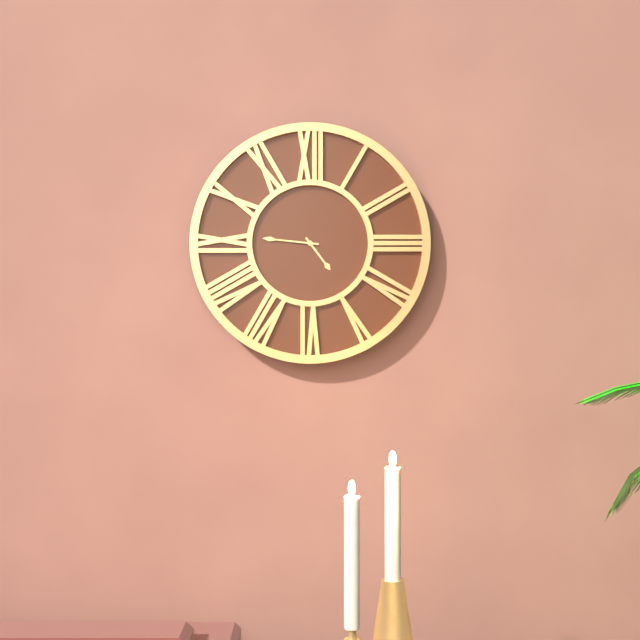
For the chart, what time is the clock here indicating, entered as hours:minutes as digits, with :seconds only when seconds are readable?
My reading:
4:46
